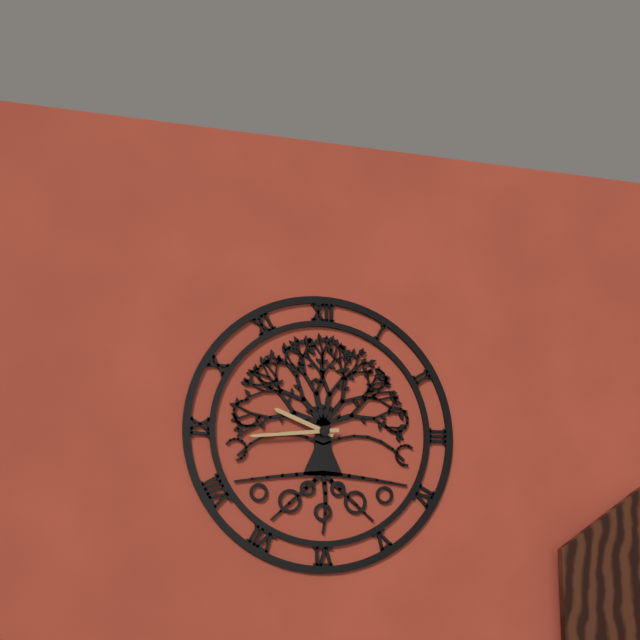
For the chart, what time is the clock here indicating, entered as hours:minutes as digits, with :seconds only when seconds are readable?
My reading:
9:44
